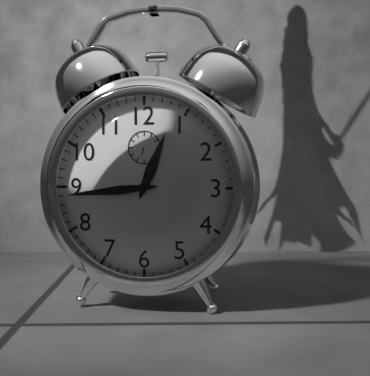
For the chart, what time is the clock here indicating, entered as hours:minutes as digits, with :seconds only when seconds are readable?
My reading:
12:44
